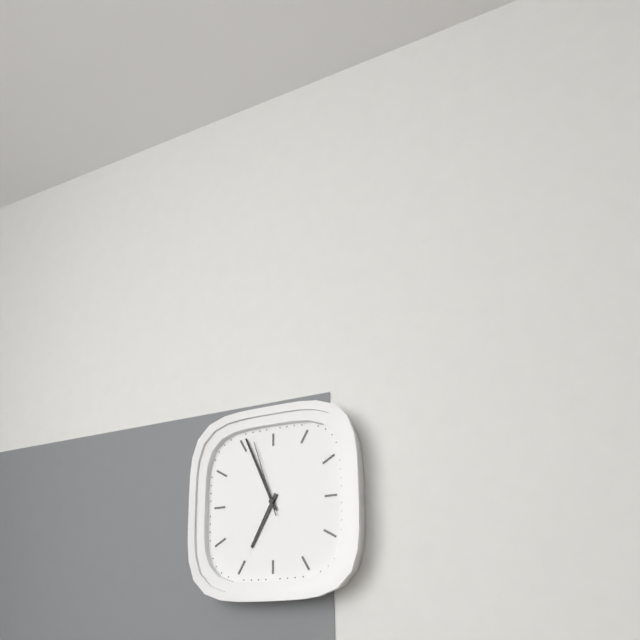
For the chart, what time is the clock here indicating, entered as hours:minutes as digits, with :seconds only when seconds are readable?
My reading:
6:56:57
